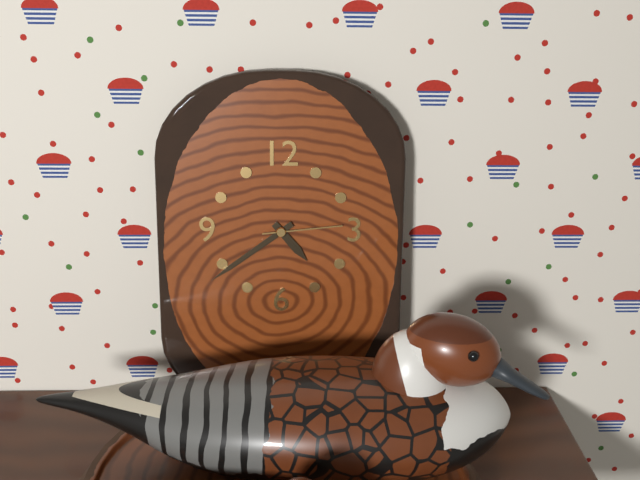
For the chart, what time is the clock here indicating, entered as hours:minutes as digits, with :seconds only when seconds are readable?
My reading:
4:39:14
